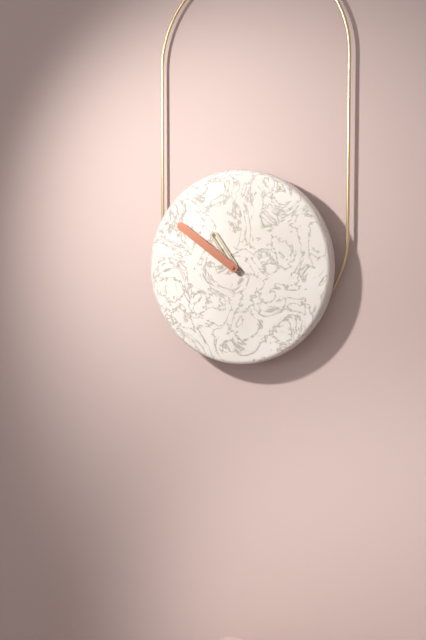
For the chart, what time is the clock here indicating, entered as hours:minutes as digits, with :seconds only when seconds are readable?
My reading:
10:51
